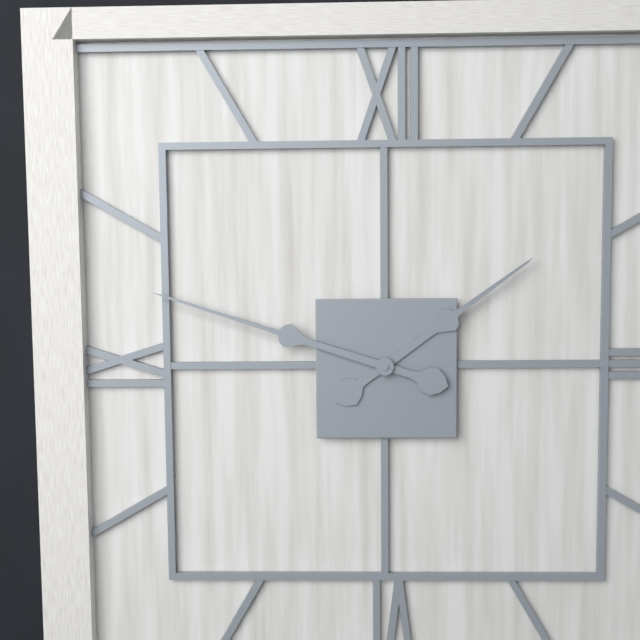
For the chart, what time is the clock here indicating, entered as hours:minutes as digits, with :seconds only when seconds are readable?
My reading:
1:48
